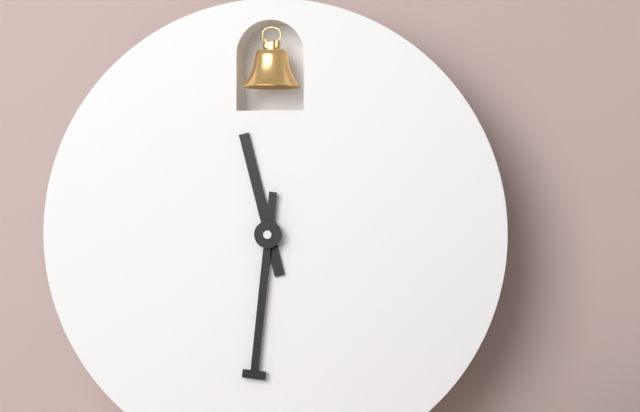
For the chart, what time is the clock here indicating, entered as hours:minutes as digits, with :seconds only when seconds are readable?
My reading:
11:31
